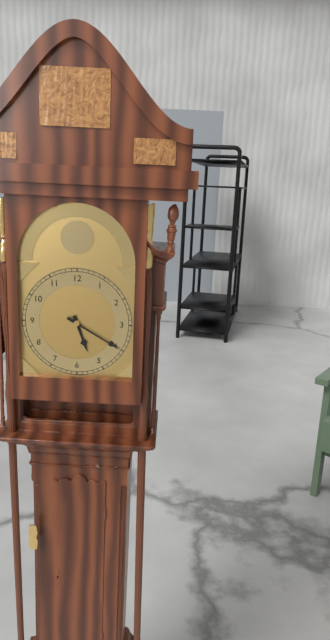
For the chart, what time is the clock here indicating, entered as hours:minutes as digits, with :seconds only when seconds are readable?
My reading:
5:20
